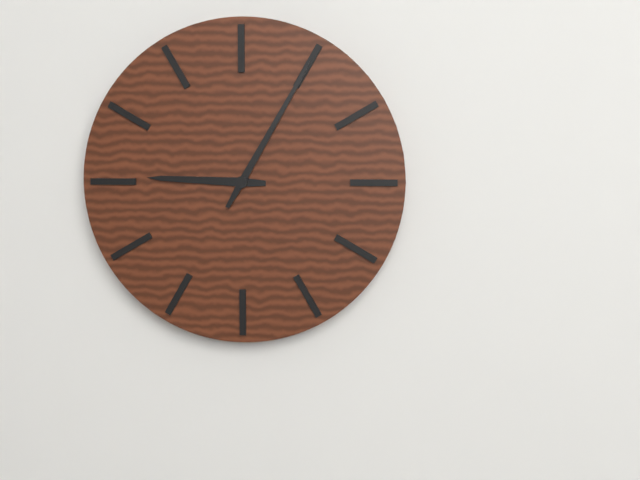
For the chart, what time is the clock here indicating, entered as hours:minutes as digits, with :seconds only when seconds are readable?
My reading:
9:05
